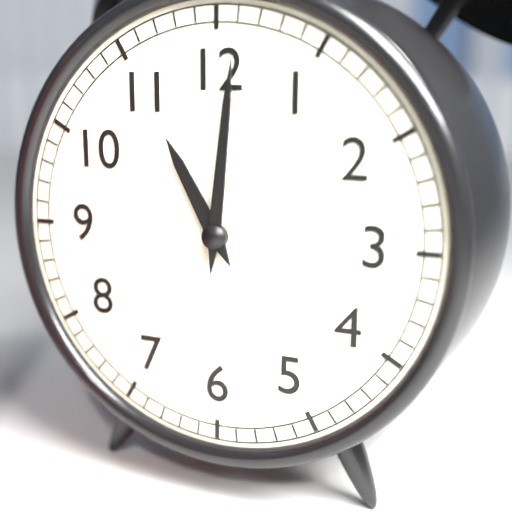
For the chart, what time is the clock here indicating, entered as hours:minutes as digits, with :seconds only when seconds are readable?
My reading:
11:01
